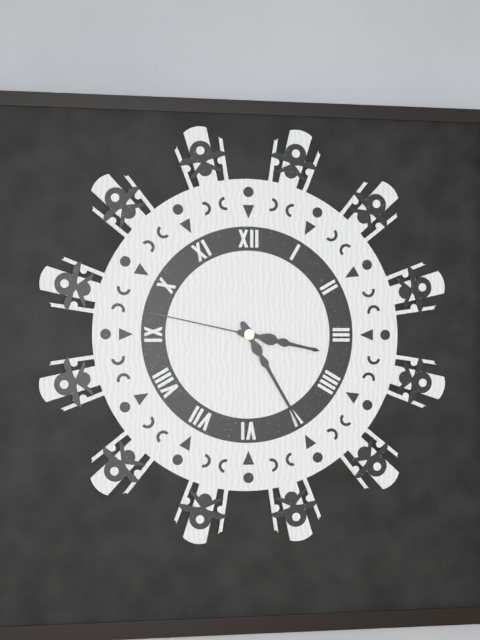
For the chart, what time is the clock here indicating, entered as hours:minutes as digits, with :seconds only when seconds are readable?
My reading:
3:25:47
